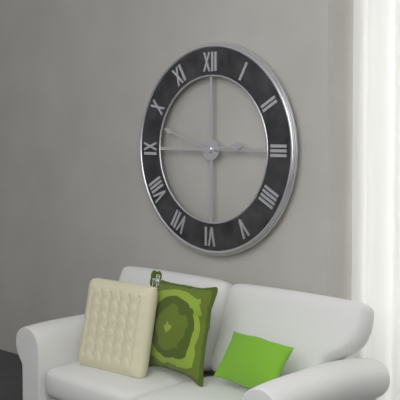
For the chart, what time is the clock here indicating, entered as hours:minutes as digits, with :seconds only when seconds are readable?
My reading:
2:48
